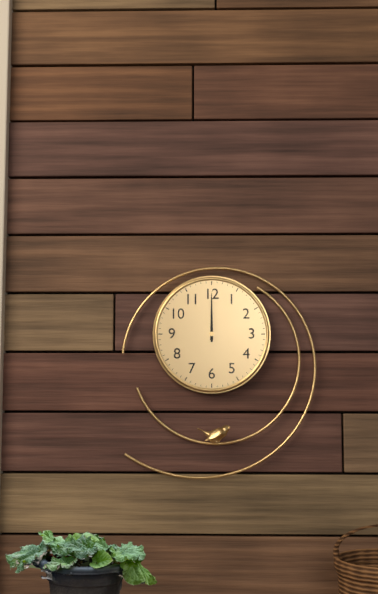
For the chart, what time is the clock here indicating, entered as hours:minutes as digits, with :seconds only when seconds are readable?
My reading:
12:00
